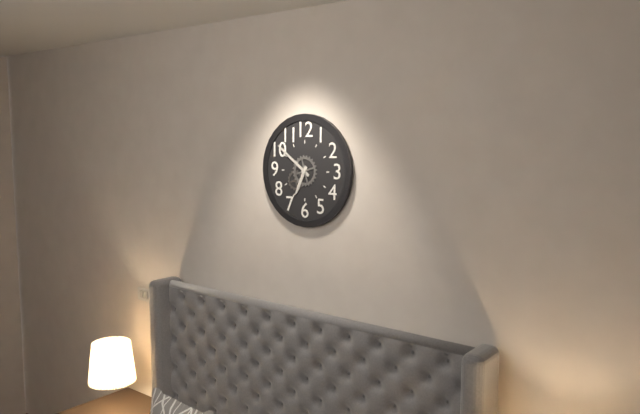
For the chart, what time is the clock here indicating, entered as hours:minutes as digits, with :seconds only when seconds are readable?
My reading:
6:51
